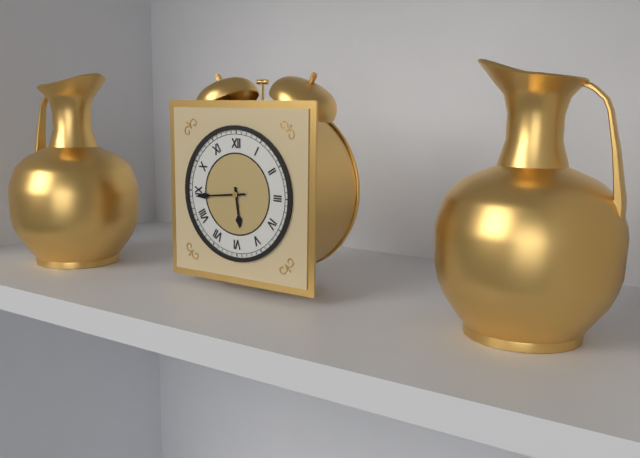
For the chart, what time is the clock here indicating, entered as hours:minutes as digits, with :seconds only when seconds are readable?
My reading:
5:44
